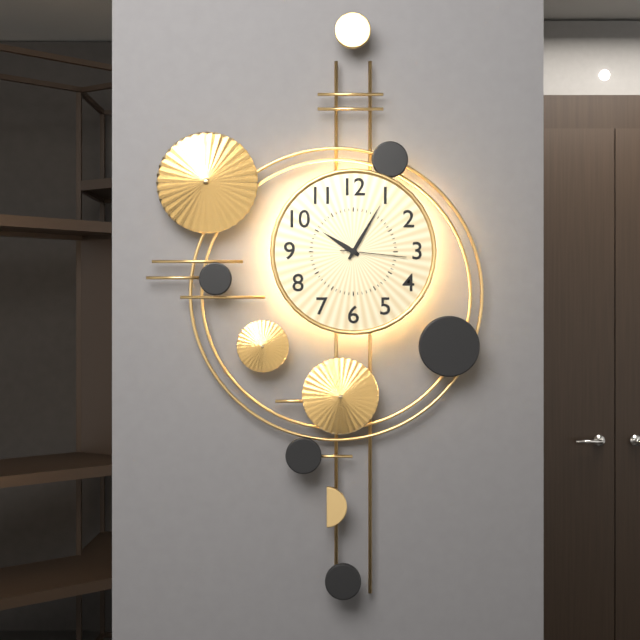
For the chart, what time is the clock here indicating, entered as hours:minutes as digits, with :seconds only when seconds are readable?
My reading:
10:05:16
